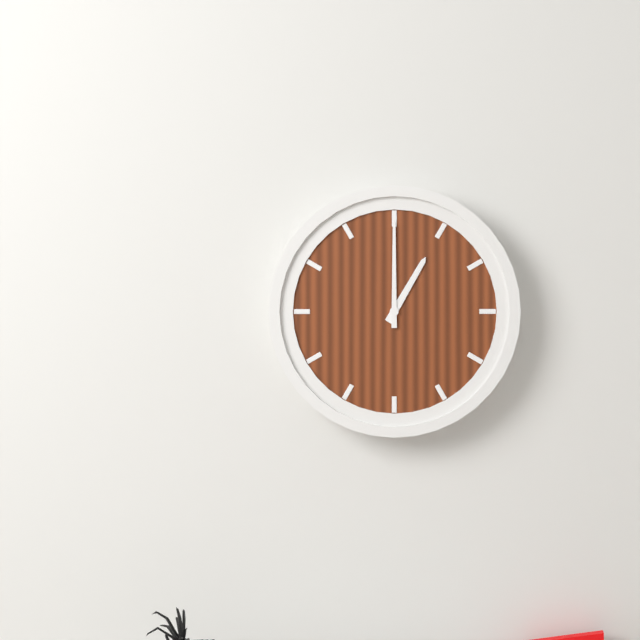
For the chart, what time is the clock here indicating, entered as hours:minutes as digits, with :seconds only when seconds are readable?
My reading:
1:00
